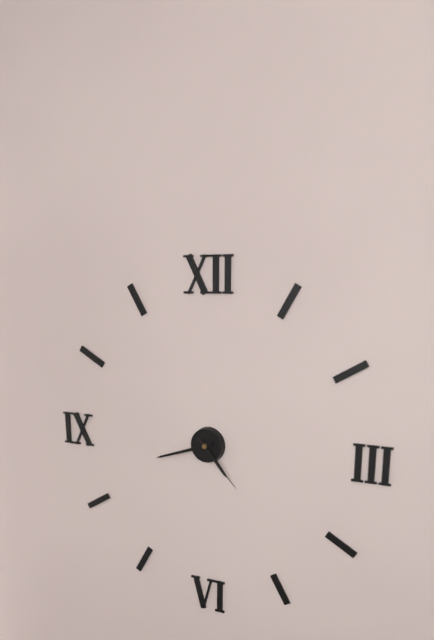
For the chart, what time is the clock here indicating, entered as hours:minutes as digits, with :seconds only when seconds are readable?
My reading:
4:42:23
